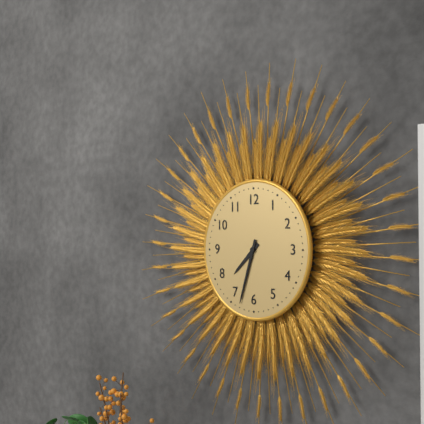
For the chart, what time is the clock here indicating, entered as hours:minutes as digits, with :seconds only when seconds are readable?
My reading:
7:33
